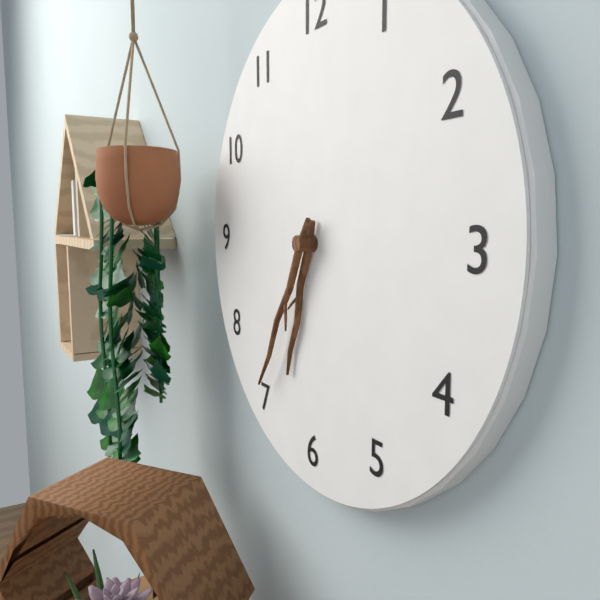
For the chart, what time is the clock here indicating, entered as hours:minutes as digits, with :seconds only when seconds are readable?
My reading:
6:35
